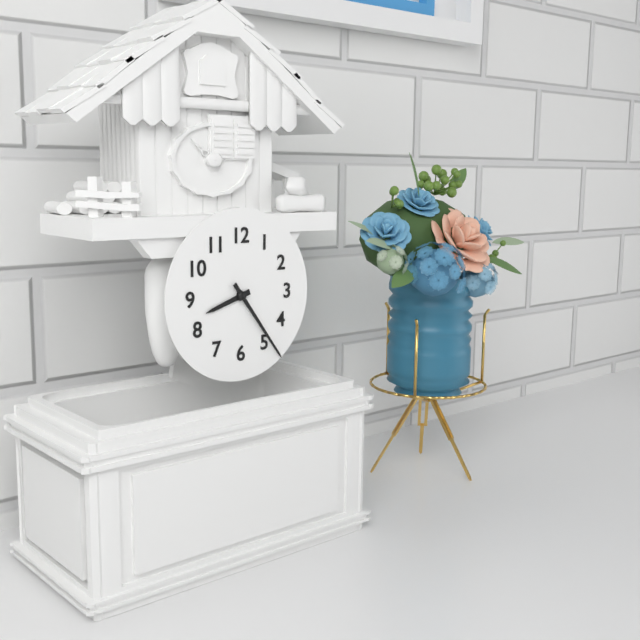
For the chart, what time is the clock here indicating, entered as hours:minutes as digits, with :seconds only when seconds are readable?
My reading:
8:24
